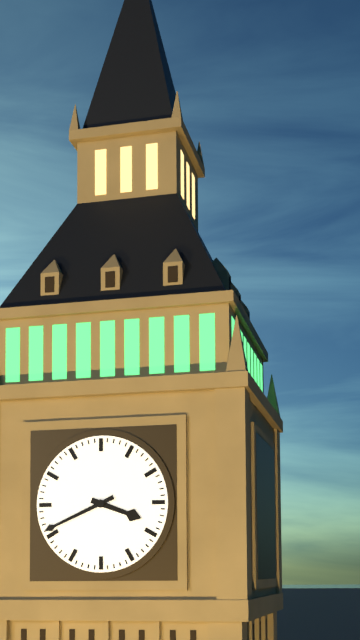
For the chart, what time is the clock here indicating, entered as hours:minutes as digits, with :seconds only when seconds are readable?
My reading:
3:41
